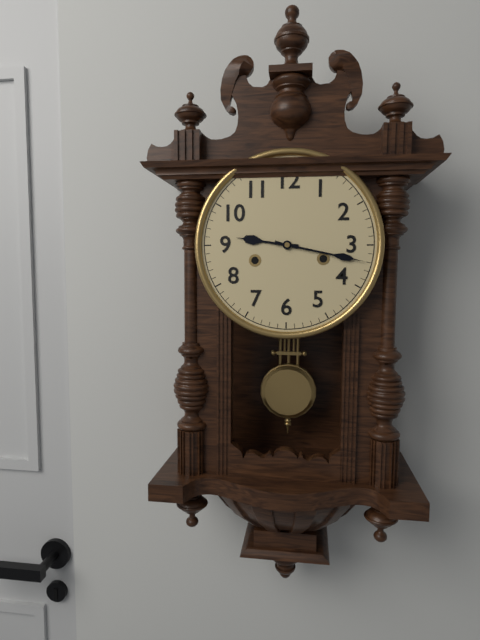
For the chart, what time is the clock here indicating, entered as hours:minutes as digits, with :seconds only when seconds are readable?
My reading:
9:17
